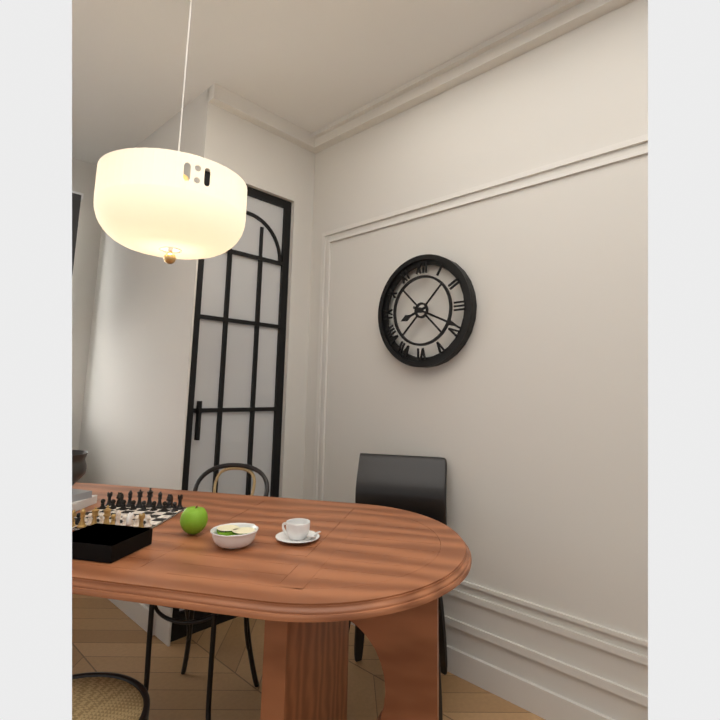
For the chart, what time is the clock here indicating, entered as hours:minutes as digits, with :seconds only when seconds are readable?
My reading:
8:19
